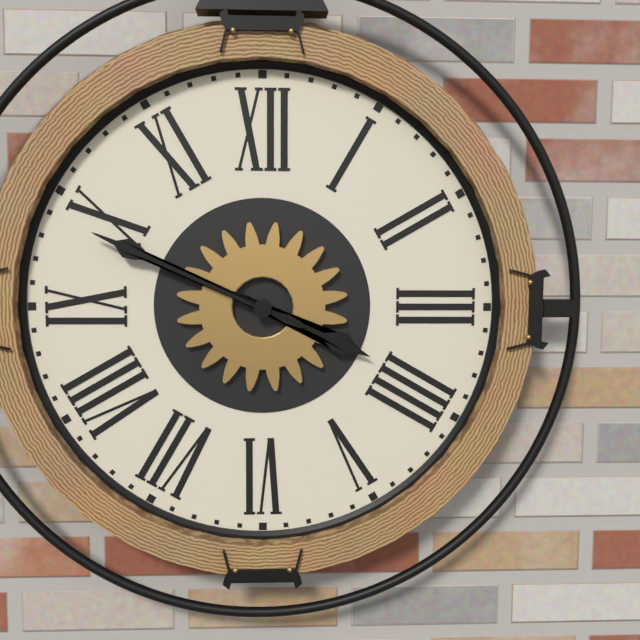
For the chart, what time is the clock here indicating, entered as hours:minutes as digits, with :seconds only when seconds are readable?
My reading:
3:49
